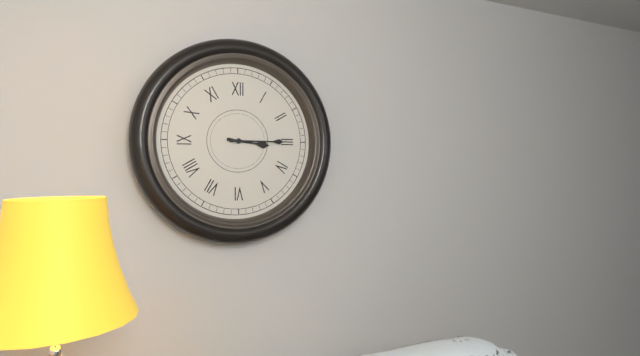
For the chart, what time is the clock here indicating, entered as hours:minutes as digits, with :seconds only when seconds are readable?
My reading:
3:15
